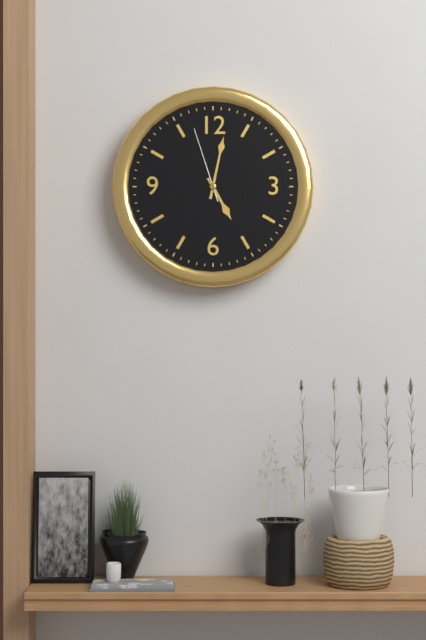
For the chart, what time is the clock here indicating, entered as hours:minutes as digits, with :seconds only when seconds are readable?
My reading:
5:02:57
